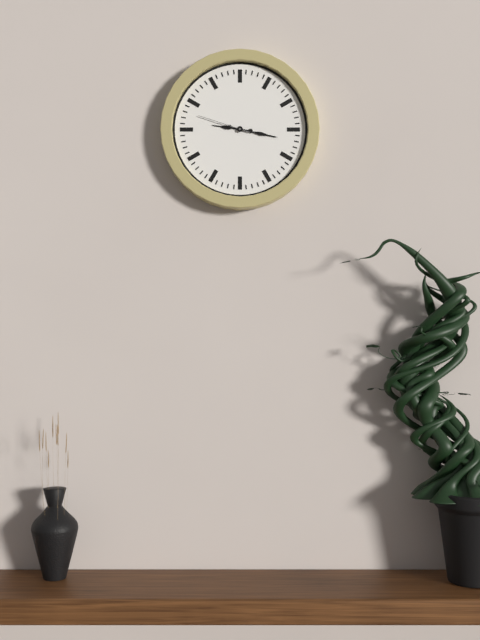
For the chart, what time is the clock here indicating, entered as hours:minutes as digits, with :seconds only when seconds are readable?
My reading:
9:17:48
